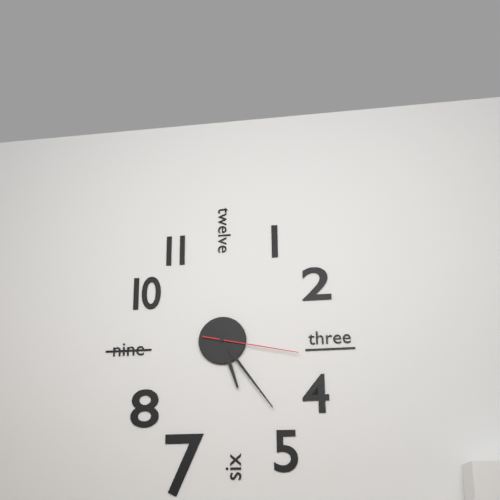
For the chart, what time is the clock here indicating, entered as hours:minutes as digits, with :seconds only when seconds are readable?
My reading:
5:24:17
